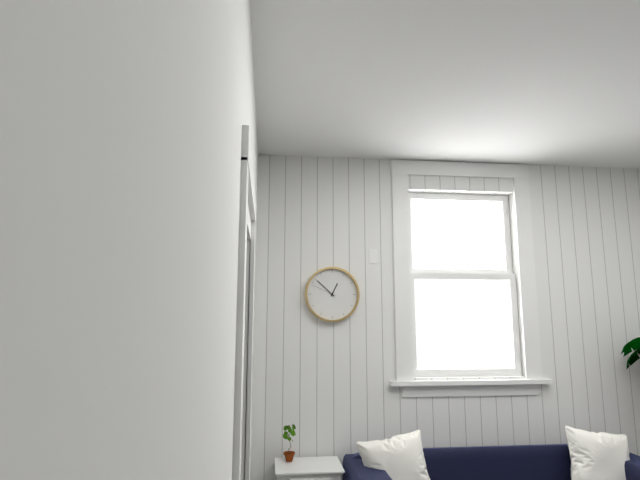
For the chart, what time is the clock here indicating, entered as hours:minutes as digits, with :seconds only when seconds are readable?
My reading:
12:52
